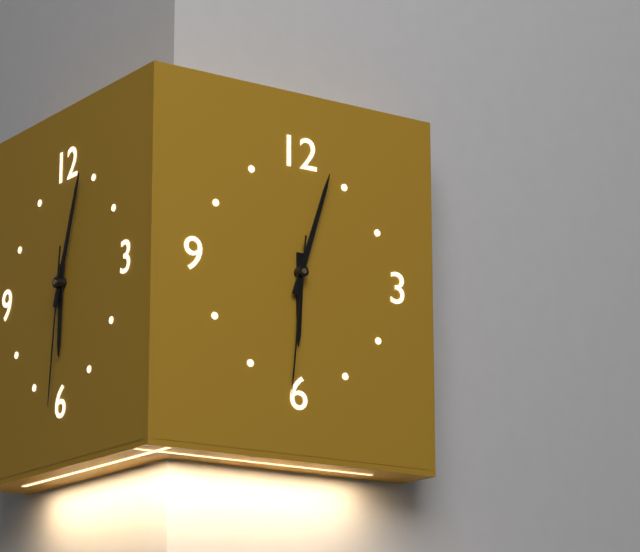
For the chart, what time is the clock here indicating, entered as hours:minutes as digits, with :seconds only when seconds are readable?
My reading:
6:03:31
